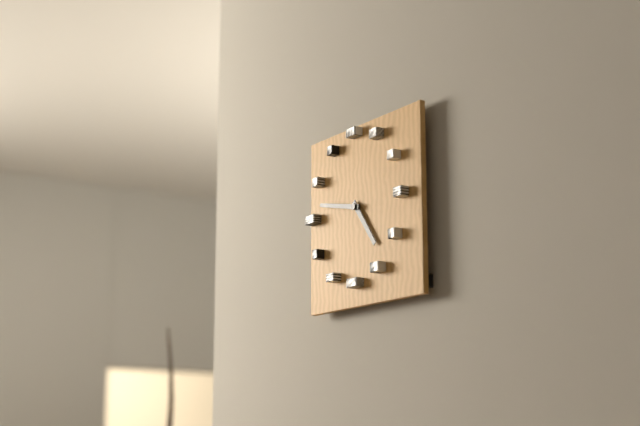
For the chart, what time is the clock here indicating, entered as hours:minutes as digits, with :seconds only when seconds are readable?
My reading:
4:47
